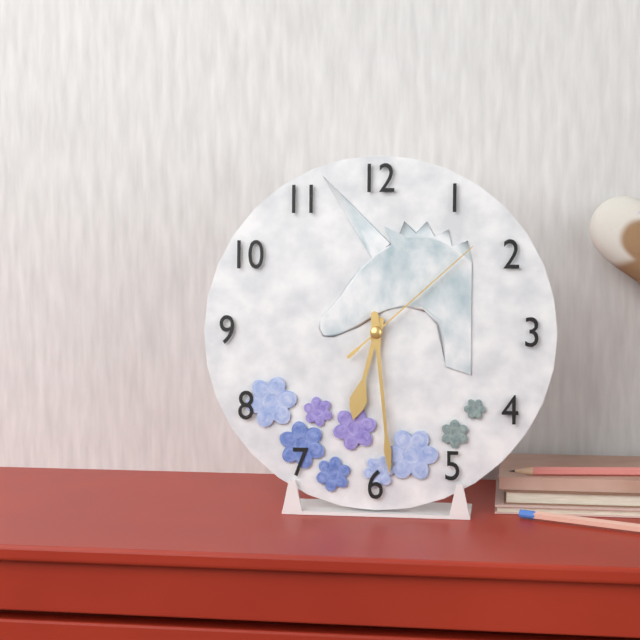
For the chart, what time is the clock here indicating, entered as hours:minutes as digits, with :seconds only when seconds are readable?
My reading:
6:29:08
